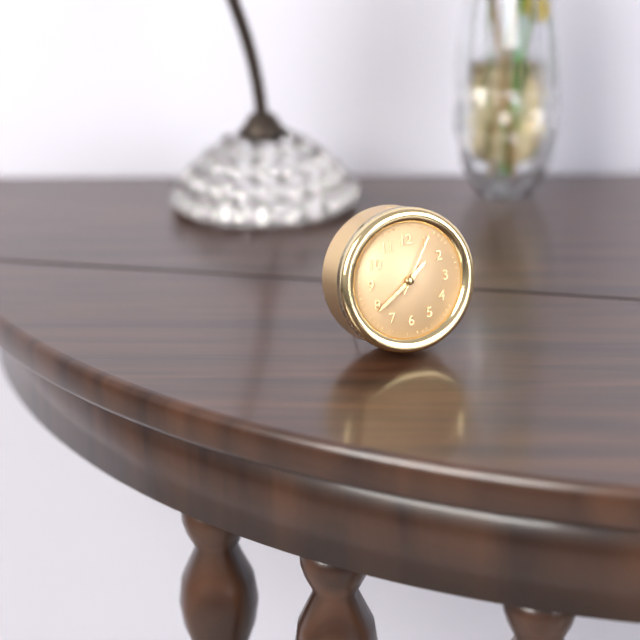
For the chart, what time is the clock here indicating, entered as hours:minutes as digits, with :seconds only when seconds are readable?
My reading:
1:39:05
